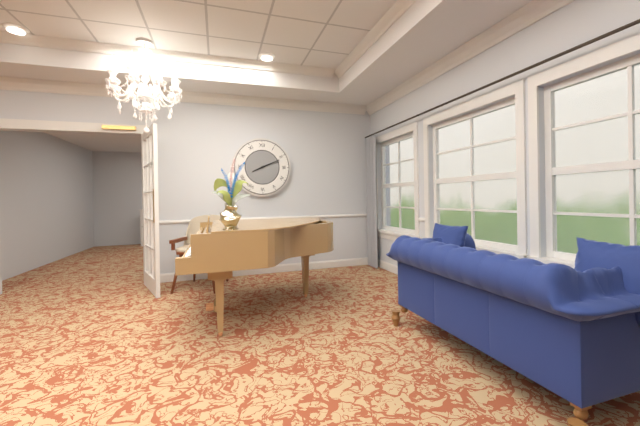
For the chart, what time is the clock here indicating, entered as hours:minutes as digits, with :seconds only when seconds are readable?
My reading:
8:11
